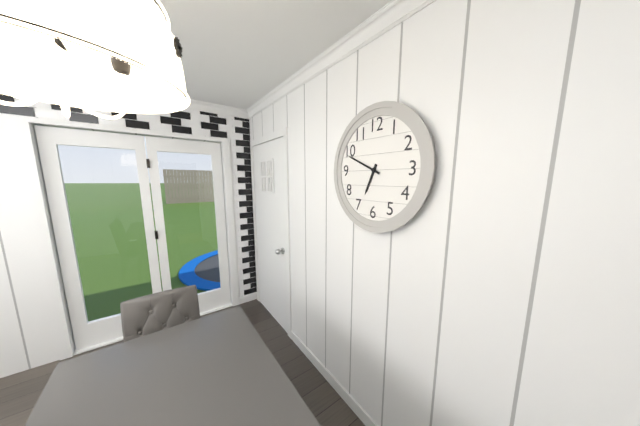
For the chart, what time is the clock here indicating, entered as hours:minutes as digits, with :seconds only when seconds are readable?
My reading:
6:49
